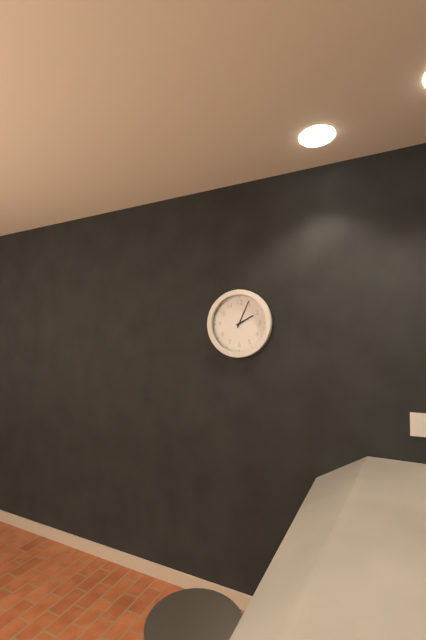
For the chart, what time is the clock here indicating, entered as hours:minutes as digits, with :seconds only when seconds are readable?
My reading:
2:04
